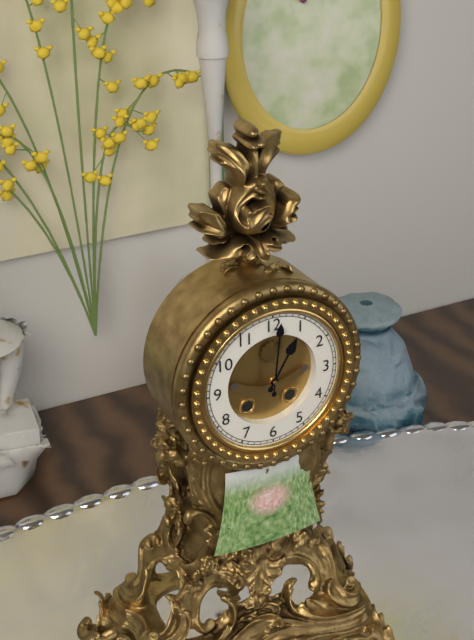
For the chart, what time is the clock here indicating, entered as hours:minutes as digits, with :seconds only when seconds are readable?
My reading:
1:01
